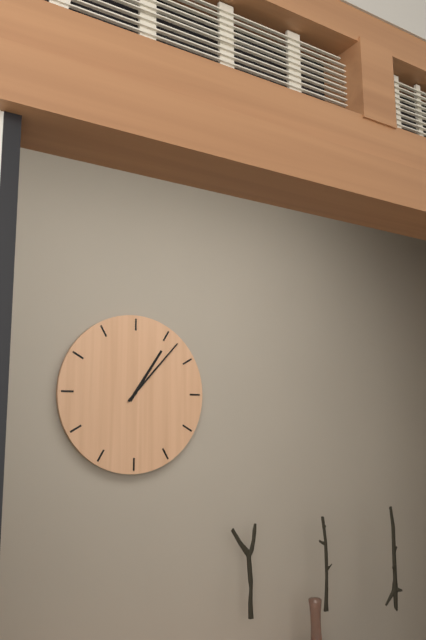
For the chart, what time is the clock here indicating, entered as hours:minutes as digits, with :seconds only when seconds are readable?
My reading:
1:07
